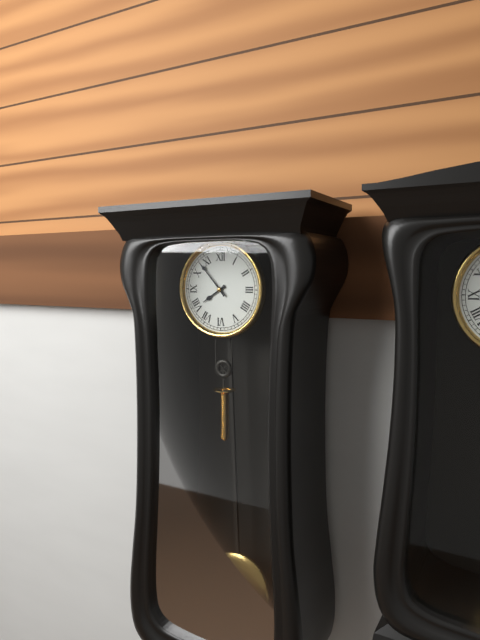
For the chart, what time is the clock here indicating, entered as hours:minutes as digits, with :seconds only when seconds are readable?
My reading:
7:53
